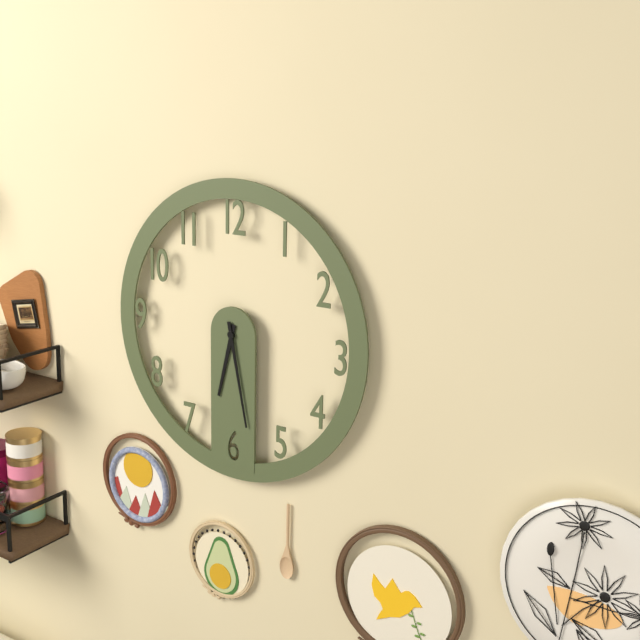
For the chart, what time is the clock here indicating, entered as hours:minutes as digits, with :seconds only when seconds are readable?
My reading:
6:28
